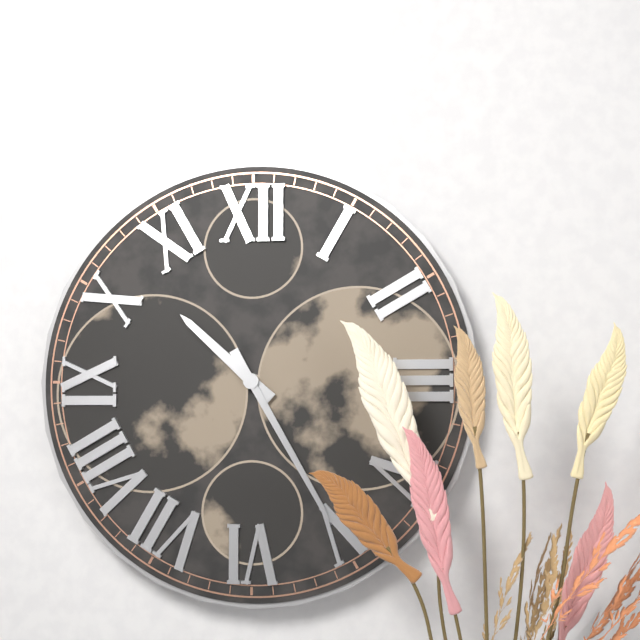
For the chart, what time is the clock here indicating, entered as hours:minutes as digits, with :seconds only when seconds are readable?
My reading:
10:25
